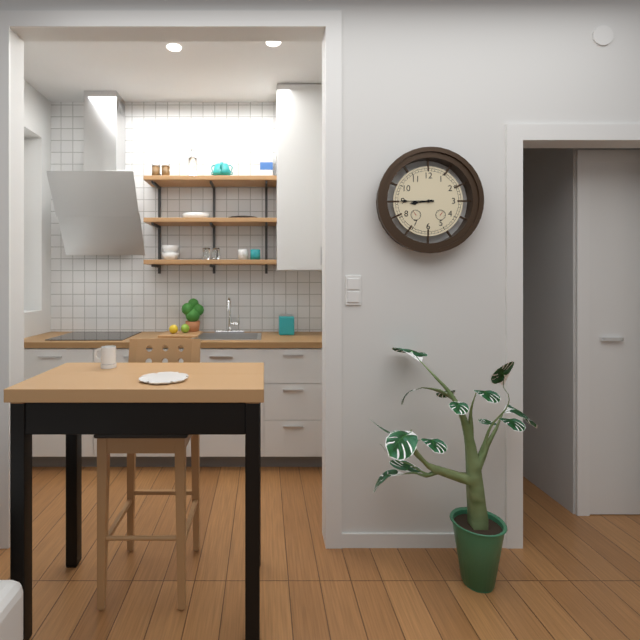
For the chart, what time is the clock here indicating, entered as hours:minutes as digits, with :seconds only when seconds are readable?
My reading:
8:45
